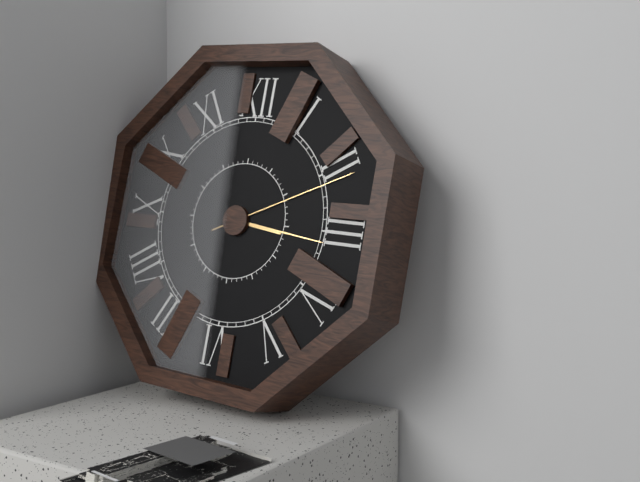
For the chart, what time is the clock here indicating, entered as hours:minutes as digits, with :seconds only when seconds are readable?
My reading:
3:16:11
